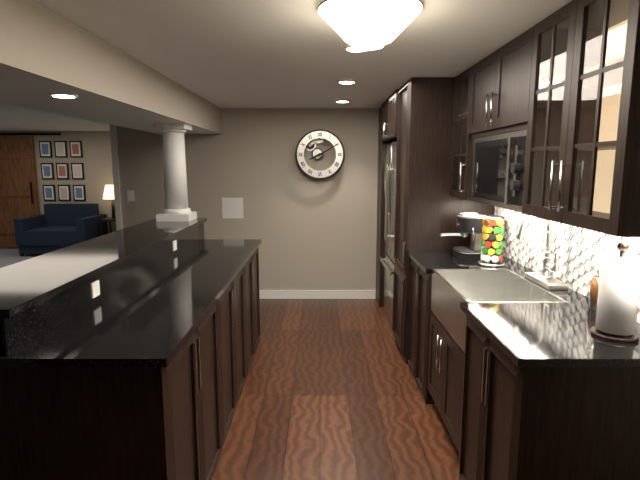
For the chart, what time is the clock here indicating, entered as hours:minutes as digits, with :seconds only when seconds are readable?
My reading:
8:10
